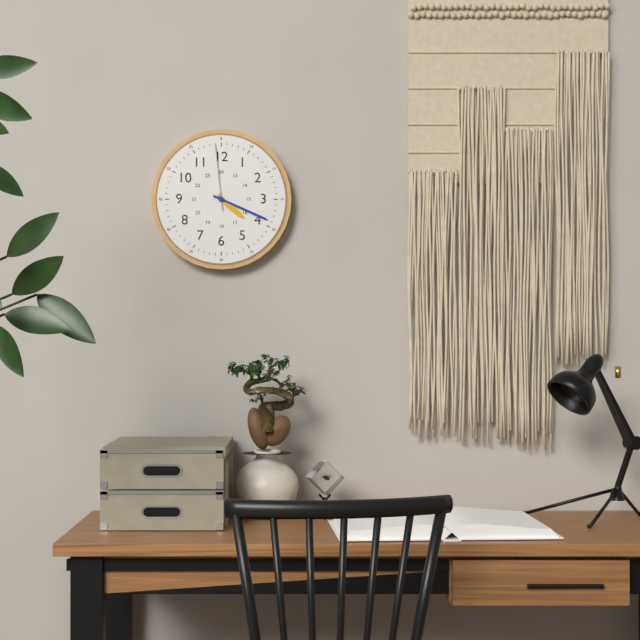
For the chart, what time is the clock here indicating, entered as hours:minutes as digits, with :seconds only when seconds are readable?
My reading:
4:19:59
